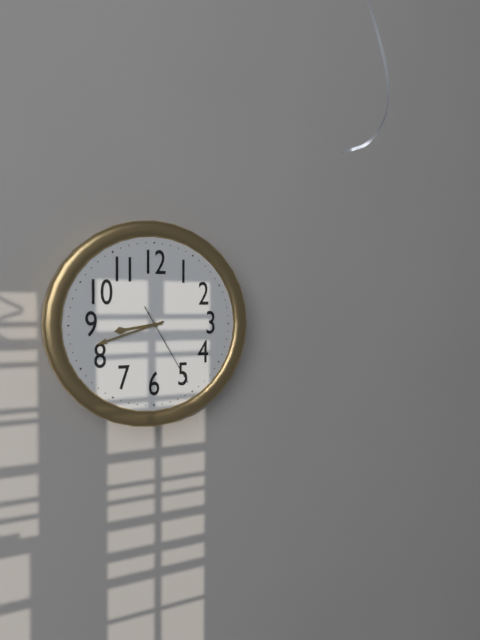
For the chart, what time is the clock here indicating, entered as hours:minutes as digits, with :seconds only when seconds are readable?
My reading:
8:42:25
